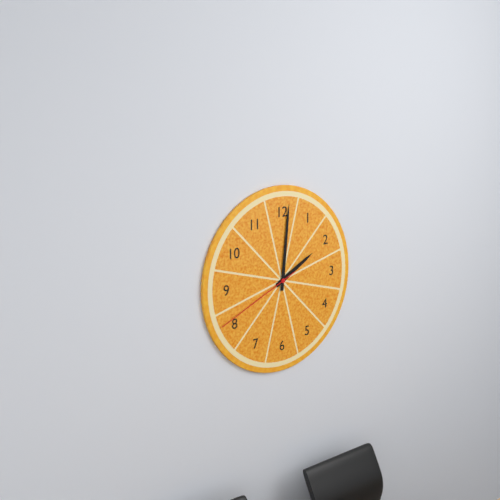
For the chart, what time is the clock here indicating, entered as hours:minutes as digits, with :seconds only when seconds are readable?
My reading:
2:01:41
